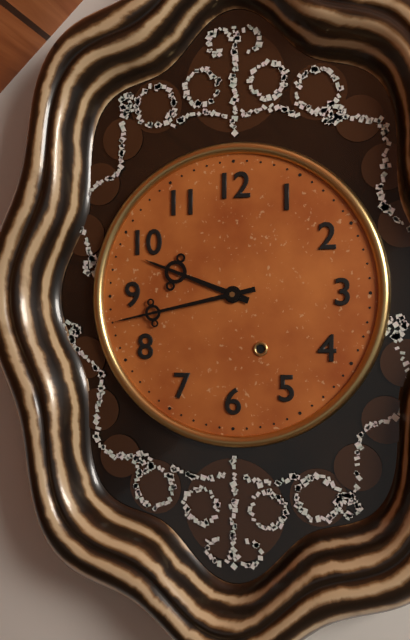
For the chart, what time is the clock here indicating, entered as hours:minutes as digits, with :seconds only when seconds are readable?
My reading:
9:43
